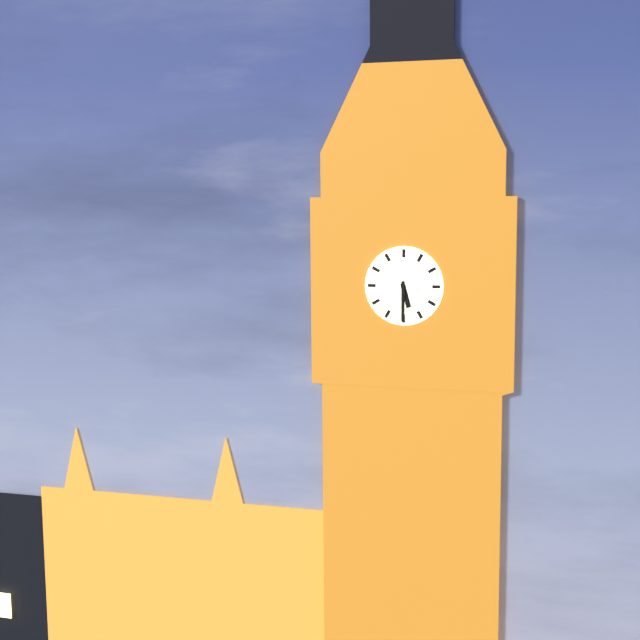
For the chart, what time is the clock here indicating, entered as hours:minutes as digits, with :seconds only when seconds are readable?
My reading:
5:30
